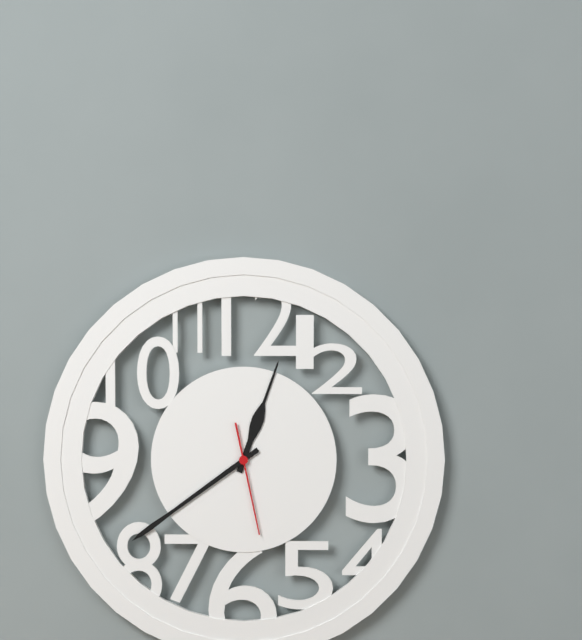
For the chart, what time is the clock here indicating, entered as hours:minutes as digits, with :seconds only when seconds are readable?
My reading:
12:39:28
